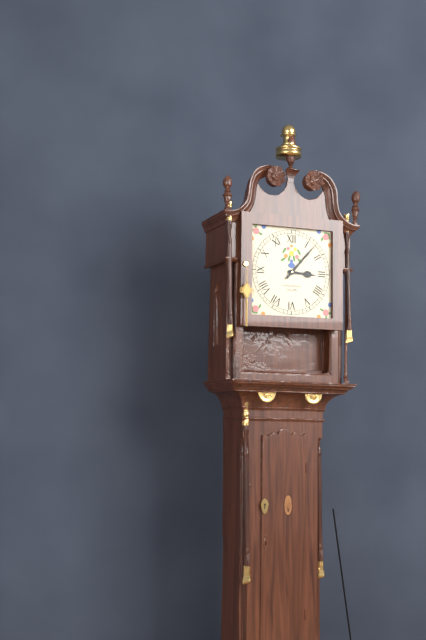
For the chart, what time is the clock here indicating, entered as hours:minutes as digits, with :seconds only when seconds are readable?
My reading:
3:07
